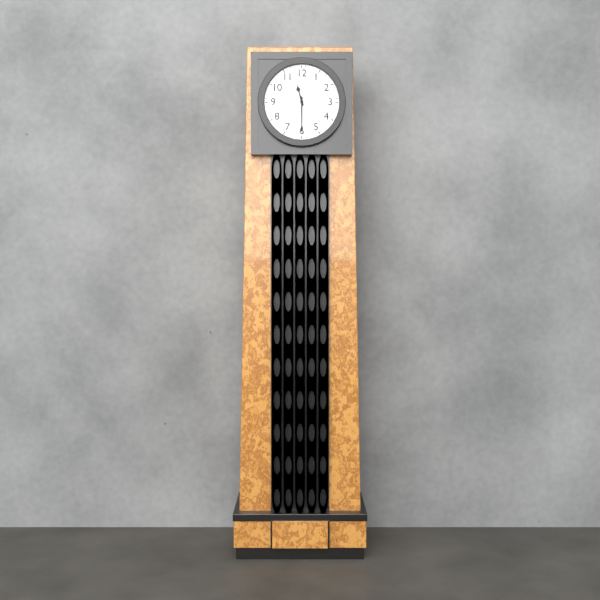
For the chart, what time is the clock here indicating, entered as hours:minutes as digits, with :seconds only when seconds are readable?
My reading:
11:30
